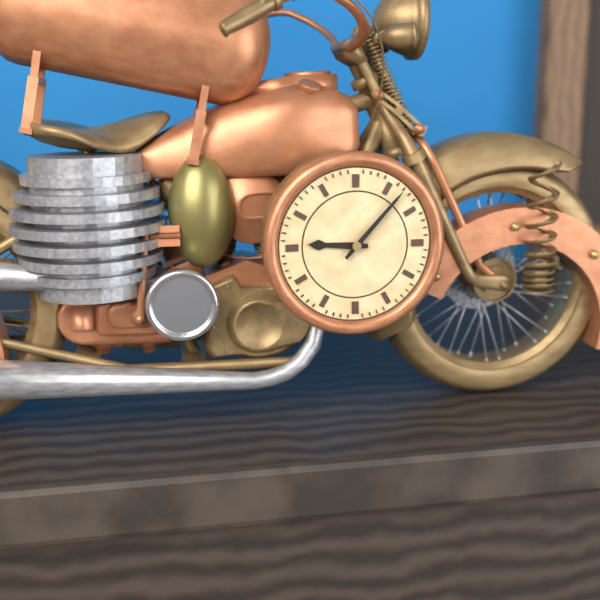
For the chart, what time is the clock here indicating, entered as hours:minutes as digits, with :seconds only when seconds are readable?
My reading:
9:07
